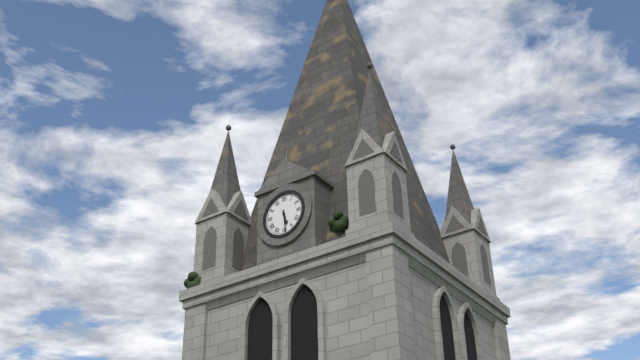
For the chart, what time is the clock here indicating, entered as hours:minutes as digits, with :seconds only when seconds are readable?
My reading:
5:29
